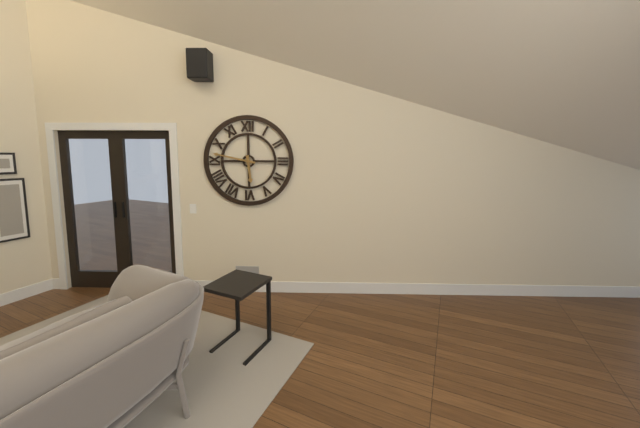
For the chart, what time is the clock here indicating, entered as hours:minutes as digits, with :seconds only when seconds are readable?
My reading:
5:47
